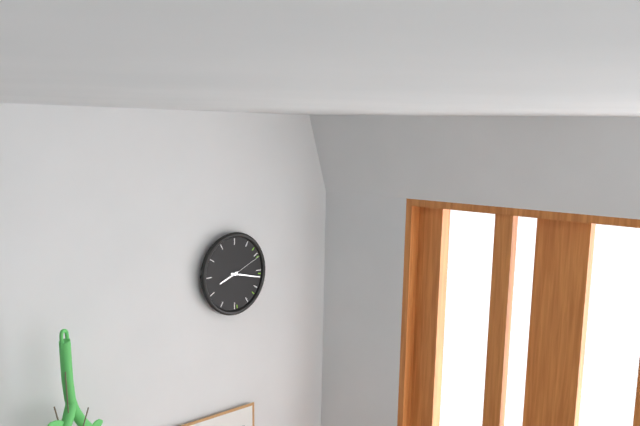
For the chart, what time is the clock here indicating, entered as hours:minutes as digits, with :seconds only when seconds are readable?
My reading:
8:17
